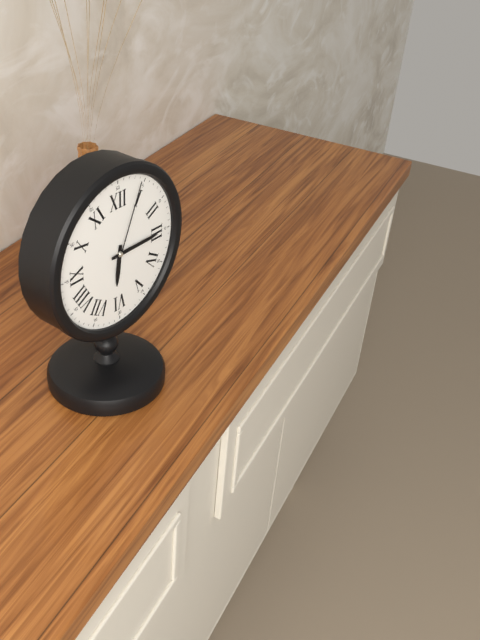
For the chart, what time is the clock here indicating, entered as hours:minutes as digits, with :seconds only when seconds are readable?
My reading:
6:15:04
